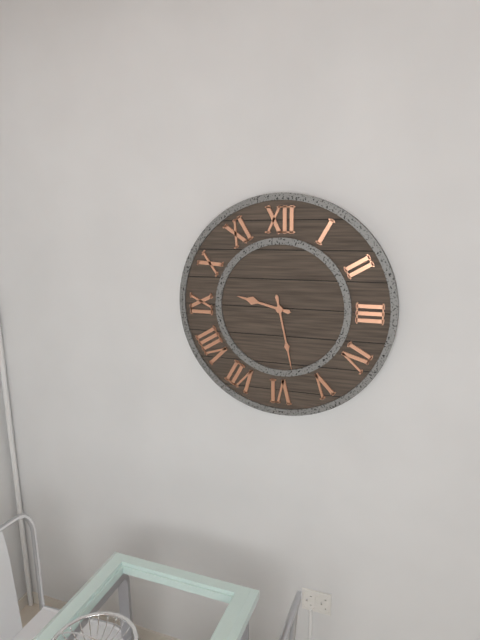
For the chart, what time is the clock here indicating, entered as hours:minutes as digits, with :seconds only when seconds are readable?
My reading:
9:28
